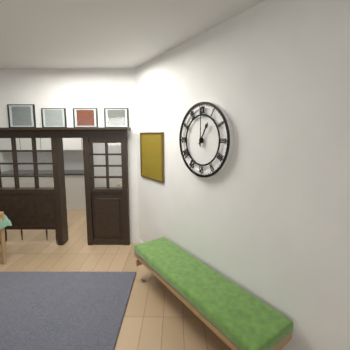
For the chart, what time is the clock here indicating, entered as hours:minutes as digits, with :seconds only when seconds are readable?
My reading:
1:00
